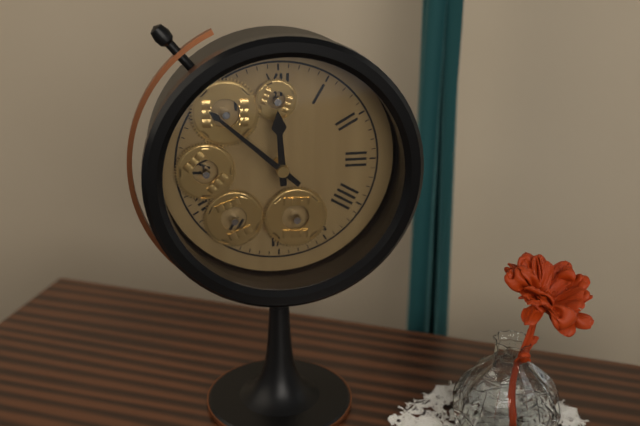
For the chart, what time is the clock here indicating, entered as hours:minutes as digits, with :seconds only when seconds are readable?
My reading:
11:52
